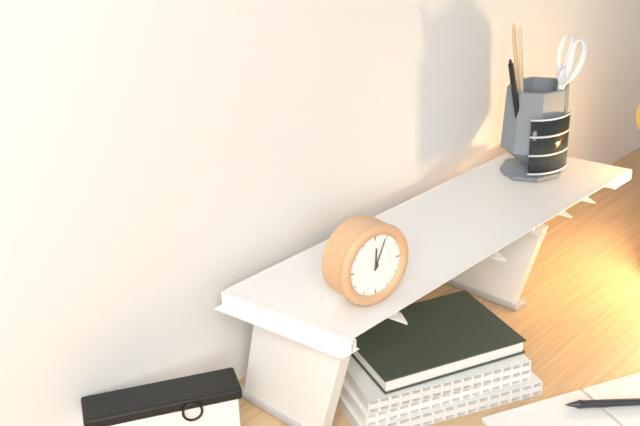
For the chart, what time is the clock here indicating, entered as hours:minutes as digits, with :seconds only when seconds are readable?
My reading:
12:04
